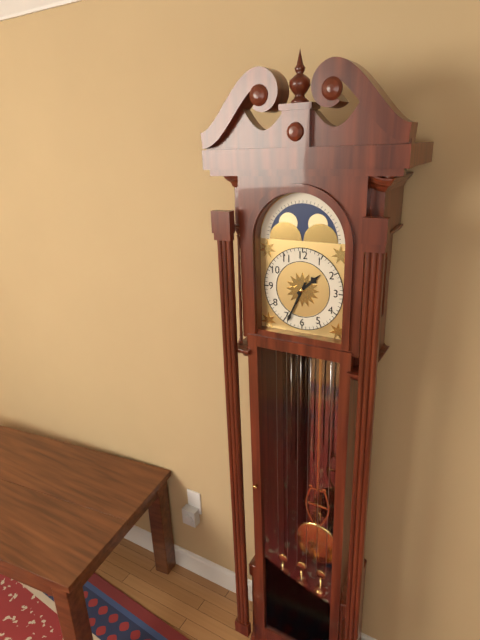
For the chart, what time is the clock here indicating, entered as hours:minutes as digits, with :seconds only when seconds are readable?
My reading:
1:34
